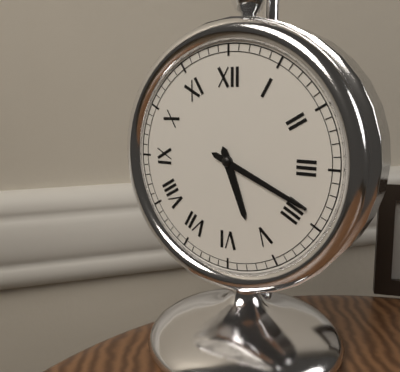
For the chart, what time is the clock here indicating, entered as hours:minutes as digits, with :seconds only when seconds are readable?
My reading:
5:19
